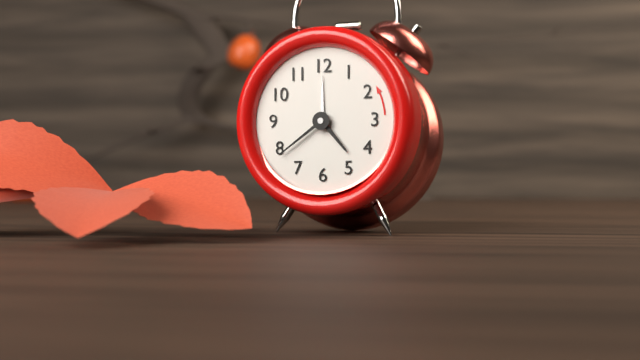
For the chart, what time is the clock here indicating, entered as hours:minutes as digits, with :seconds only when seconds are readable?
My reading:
4:39:00
